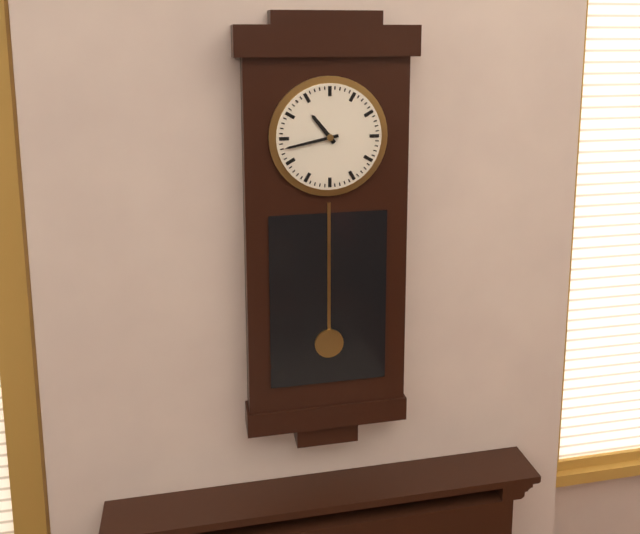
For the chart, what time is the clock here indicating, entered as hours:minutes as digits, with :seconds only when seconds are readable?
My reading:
10:43
